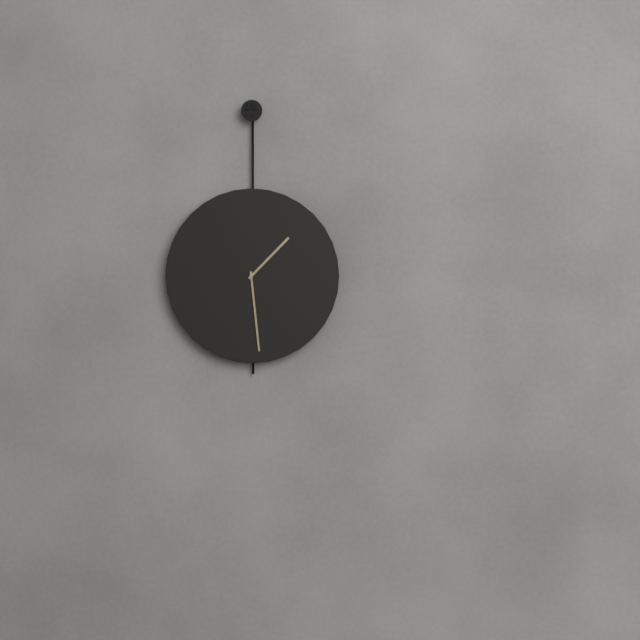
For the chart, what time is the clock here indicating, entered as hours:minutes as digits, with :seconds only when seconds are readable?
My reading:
1:29
